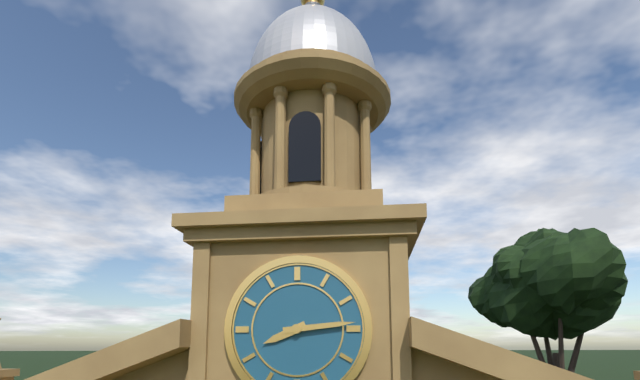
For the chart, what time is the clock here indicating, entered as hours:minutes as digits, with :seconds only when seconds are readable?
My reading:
8:14
